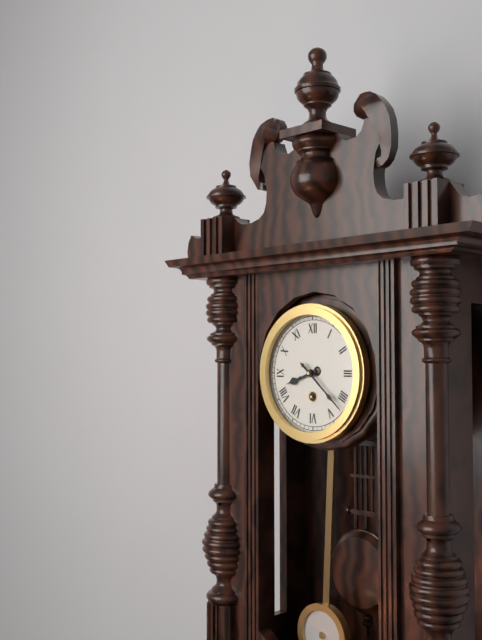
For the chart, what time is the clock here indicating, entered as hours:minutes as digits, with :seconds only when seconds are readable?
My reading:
8:22
